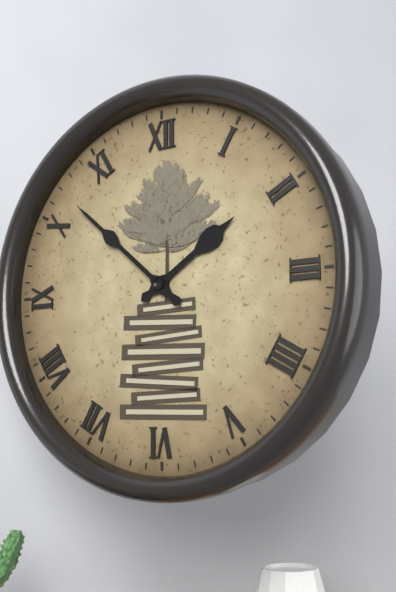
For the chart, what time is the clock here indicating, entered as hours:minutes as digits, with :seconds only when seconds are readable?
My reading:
1:52
